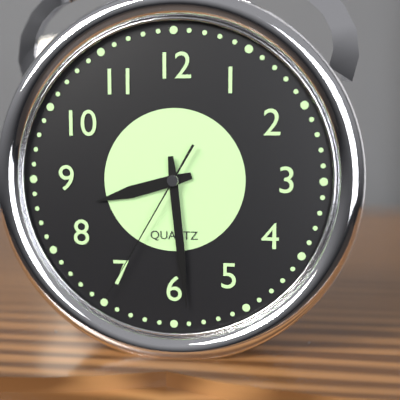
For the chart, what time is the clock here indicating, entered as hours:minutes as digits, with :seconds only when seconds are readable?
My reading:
8:29:35
